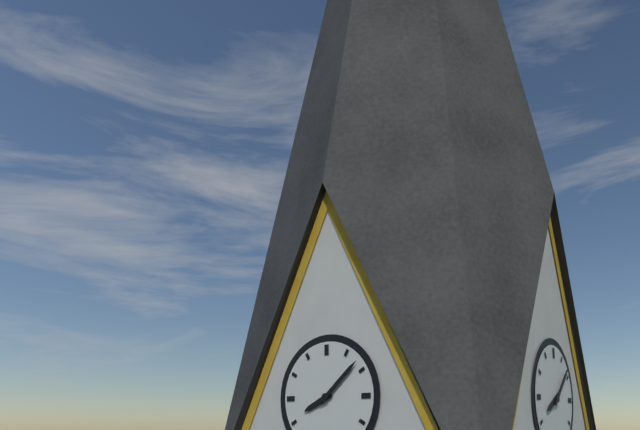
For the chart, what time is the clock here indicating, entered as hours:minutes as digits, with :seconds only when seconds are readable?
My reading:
8:08
